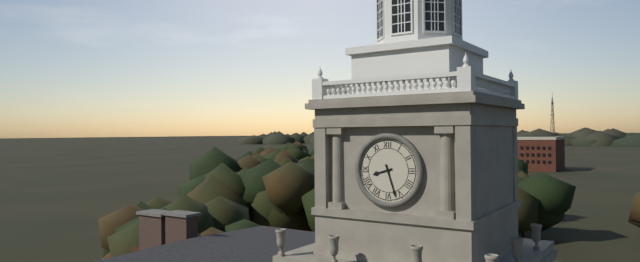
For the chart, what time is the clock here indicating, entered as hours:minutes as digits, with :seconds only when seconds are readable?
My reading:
8:27
